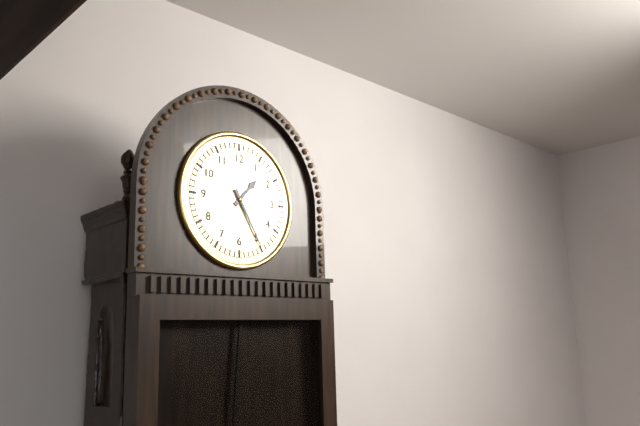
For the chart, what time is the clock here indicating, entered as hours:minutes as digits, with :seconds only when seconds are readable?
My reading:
1:25
